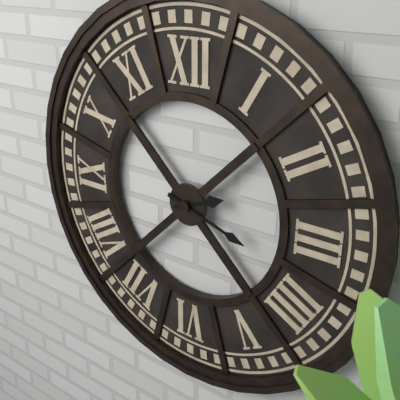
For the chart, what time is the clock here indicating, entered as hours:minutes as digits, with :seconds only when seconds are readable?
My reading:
2:18
